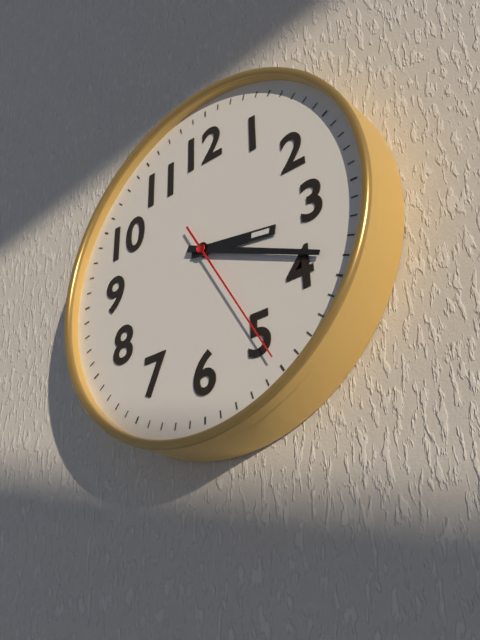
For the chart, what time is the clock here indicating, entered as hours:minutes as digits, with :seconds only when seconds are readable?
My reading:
3:19:25
